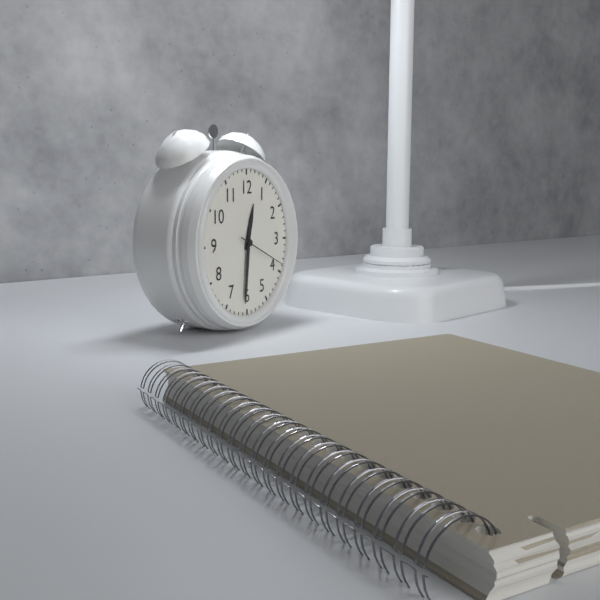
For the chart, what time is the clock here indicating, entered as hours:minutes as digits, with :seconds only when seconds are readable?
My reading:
12:31:19
